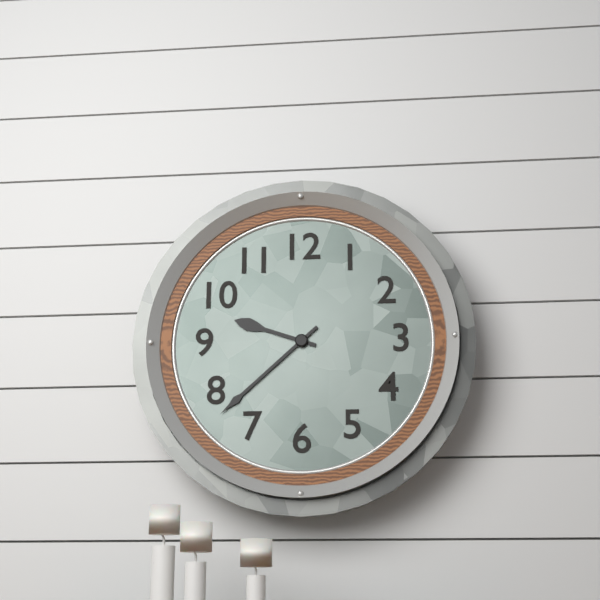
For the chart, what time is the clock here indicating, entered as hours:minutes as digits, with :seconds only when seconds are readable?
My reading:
9:38
